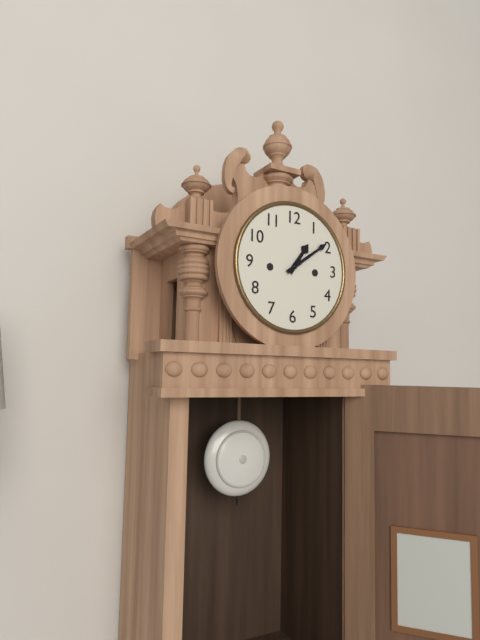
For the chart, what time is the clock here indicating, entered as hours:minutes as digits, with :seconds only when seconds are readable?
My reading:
1:09
